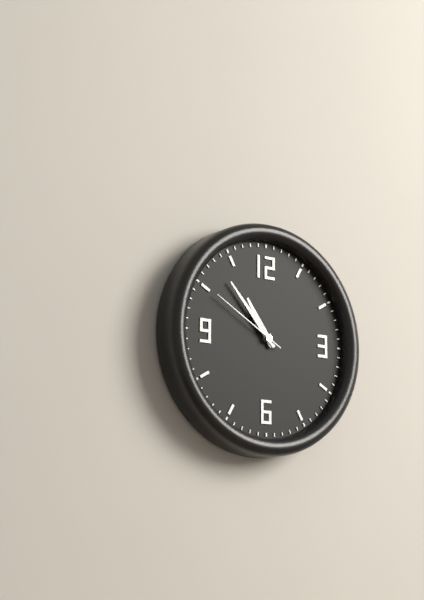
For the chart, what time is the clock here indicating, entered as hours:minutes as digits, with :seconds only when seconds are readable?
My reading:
10:53:50
